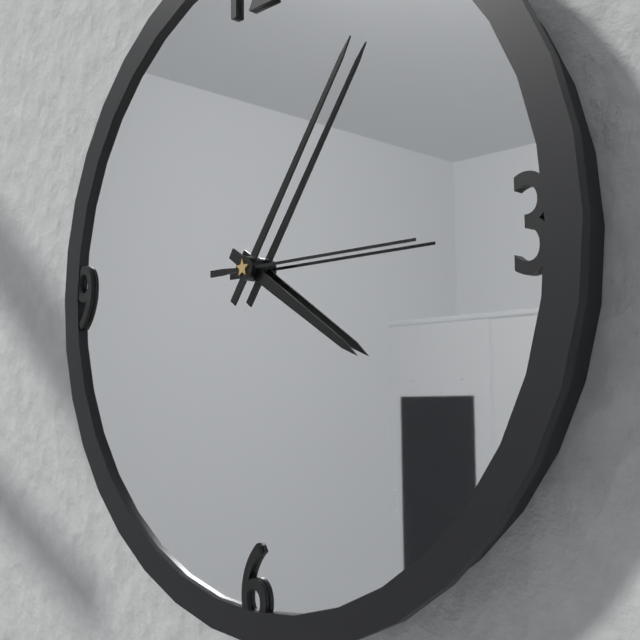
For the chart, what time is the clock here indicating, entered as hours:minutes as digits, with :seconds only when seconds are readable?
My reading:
4:06:15
